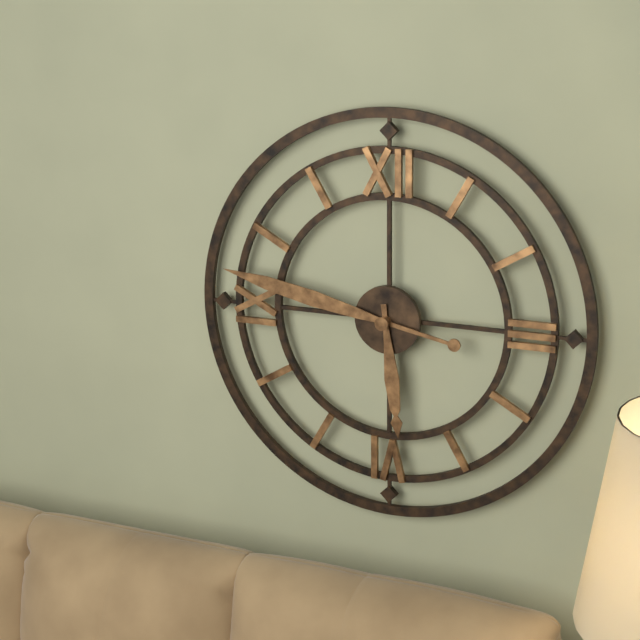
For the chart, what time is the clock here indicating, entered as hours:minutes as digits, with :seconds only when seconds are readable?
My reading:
5:47
